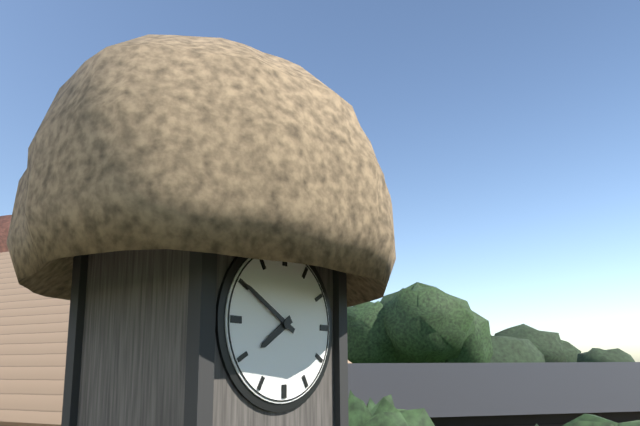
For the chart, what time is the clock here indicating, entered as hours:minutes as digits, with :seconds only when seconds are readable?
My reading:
7:50
